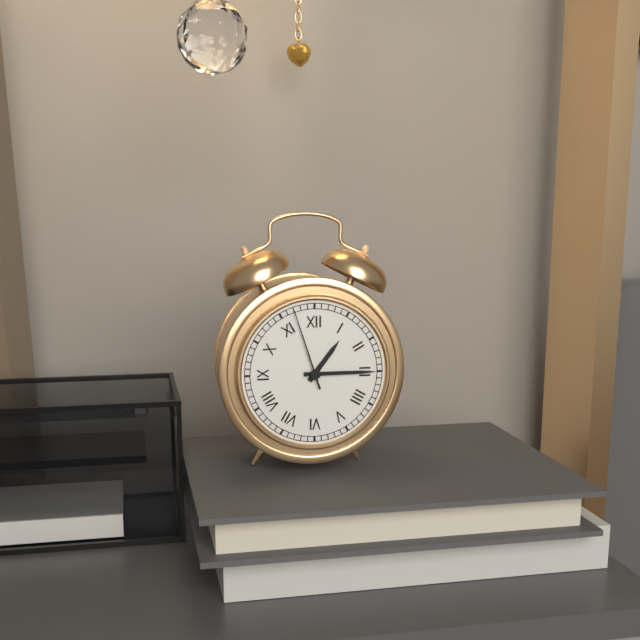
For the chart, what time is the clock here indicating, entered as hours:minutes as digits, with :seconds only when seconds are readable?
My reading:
1:15:57
